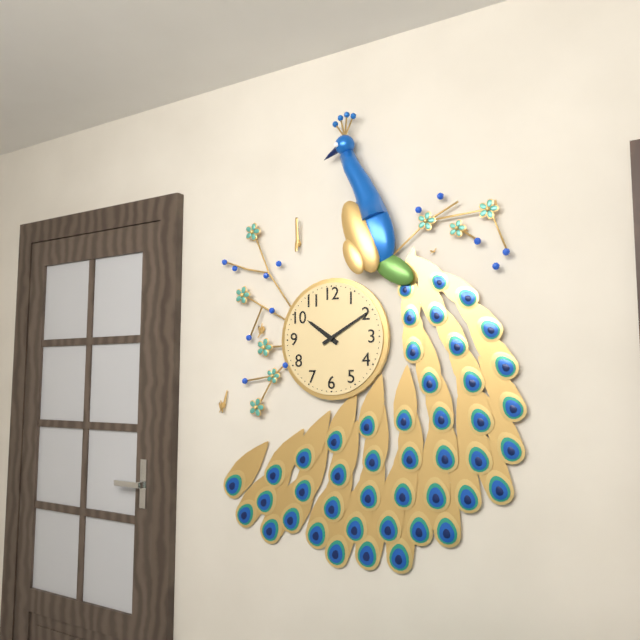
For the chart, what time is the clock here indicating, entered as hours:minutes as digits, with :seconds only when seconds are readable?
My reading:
10:10
